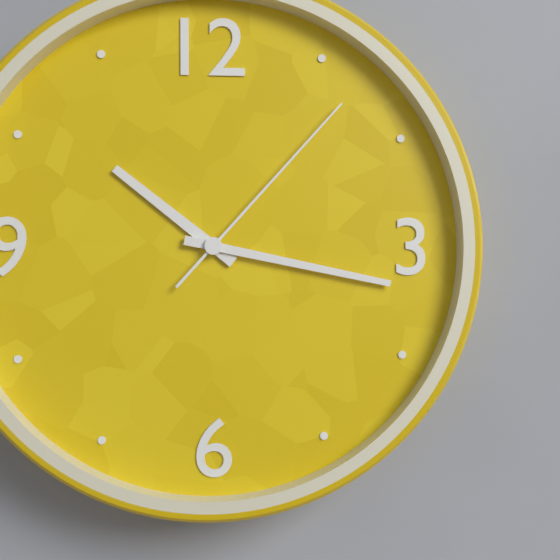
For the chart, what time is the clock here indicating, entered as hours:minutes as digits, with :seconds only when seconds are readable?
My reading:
10:17:07
